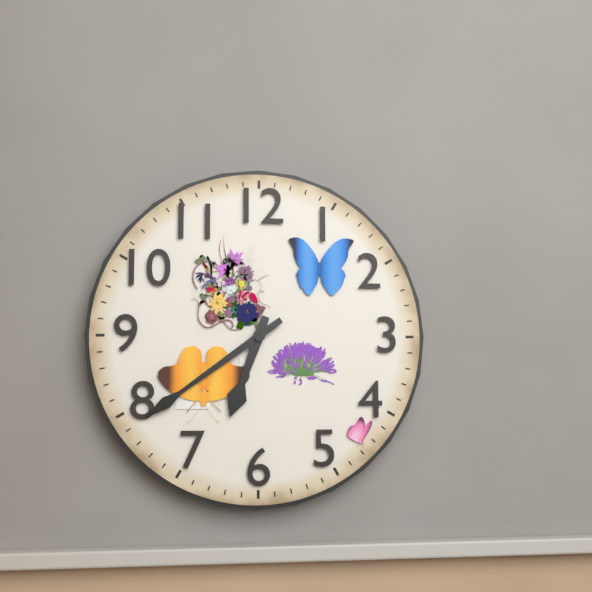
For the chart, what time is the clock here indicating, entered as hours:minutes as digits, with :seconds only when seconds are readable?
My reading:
6:39
